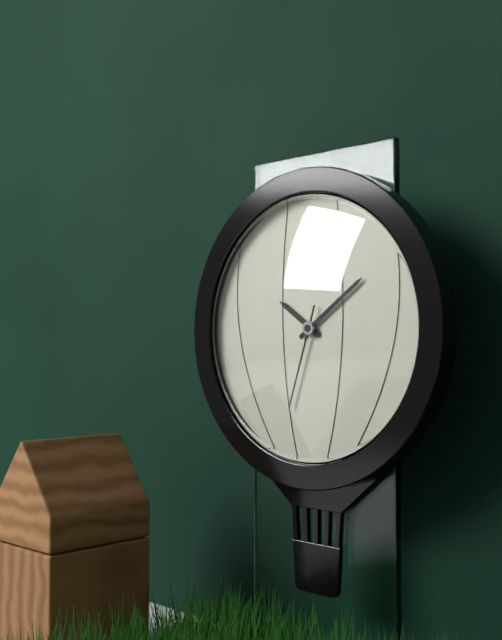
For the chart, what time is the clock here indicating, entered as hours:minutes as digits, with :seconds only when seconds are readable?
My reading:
10:09:33
